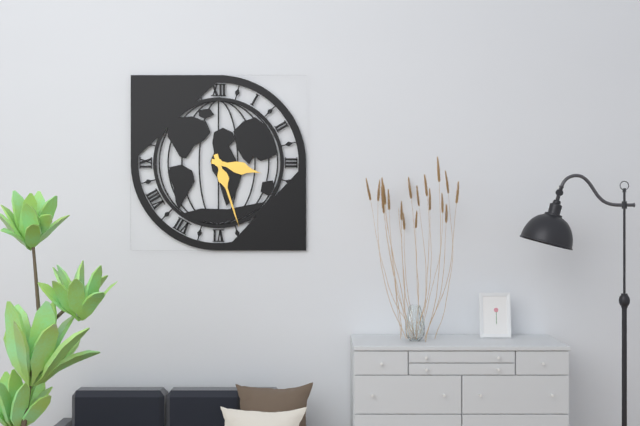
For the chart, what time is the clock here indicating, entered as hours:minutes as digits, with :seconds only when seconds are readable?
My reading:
3:27
